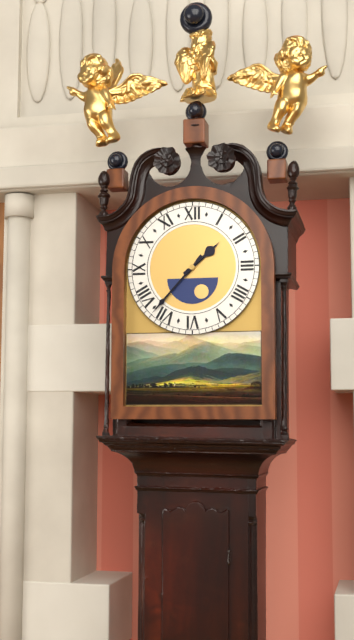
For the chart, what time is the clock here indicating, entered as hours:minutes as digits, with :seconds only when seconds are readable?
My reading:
1:37
